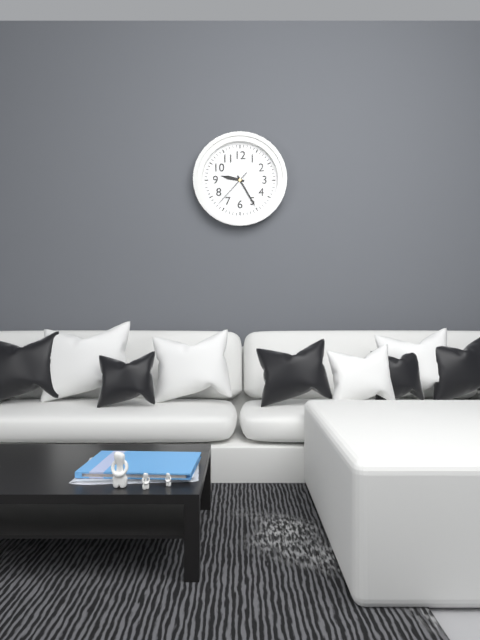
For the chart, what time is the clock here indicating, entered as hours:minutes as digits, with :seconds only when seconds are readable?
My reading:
9:25
